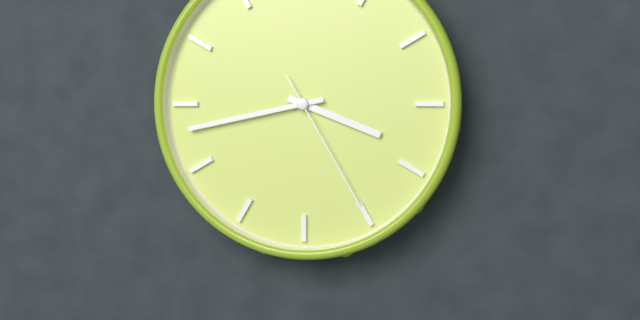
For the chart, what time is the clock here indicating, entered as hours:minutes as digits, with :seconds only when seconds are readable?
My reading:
3:43:25
